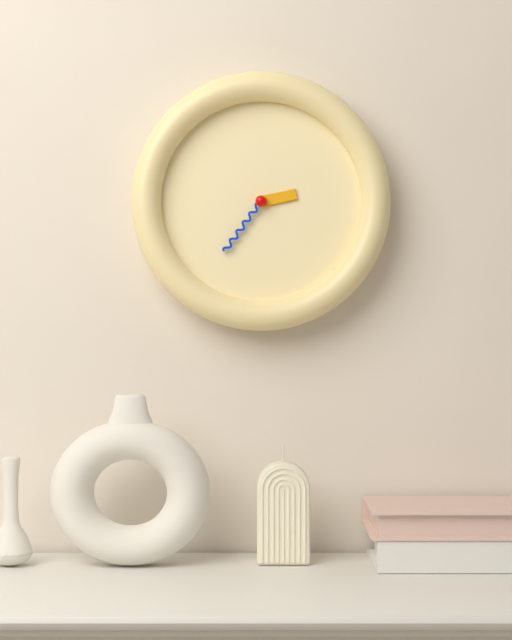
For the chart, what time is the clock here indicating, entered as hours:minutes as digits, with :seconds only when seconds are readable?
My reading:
2:36
